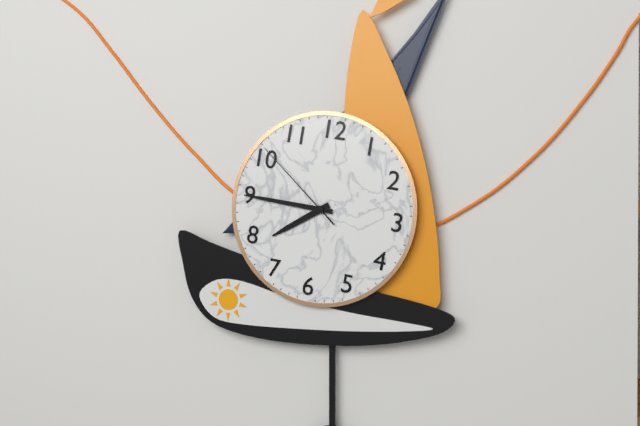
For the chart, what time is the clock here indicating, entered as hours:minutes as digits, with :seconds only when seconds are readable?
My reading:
7:45:51
